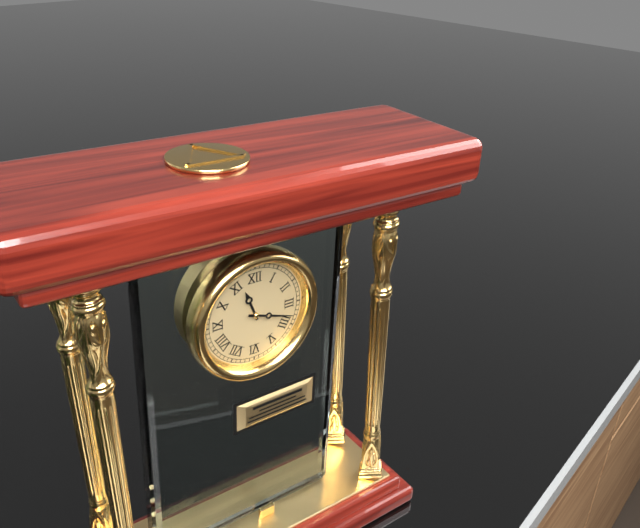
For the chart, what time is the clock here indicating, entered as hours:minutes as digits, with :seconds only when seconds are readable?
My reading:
11:18
